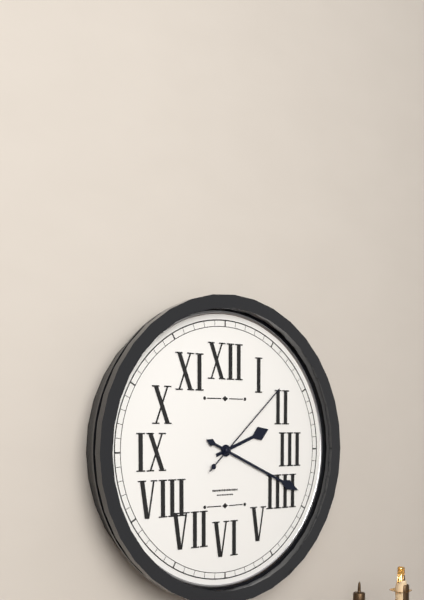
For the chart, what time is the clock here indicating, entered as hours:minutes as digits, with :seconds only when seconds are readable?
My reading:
2:19:08
